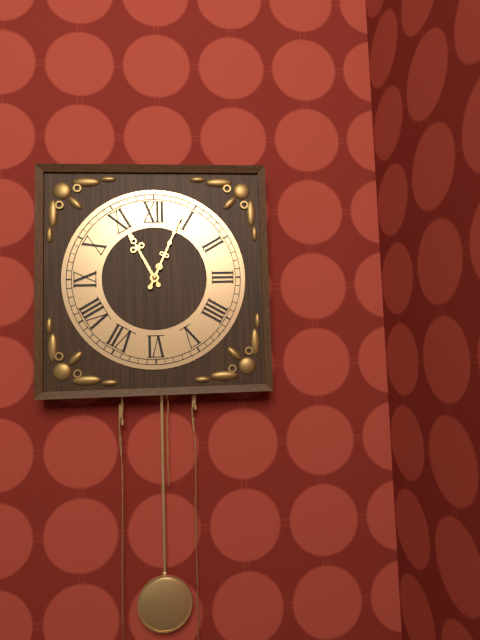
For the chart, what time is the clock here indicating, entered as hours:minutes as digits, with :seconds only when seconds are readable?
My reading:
11:04
